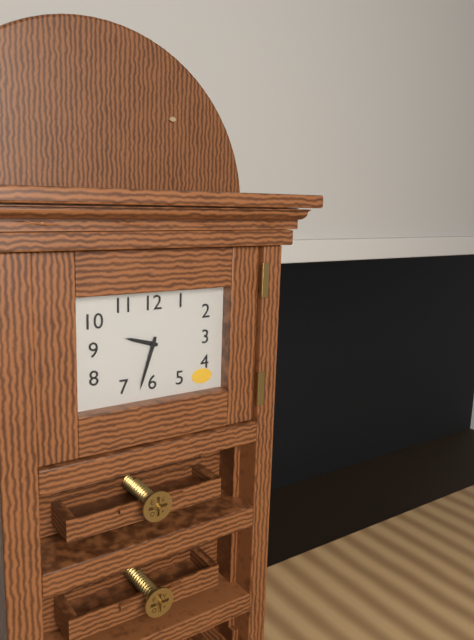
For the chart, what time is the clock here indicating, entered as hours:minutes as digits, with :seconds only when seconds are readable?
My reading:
9:33
